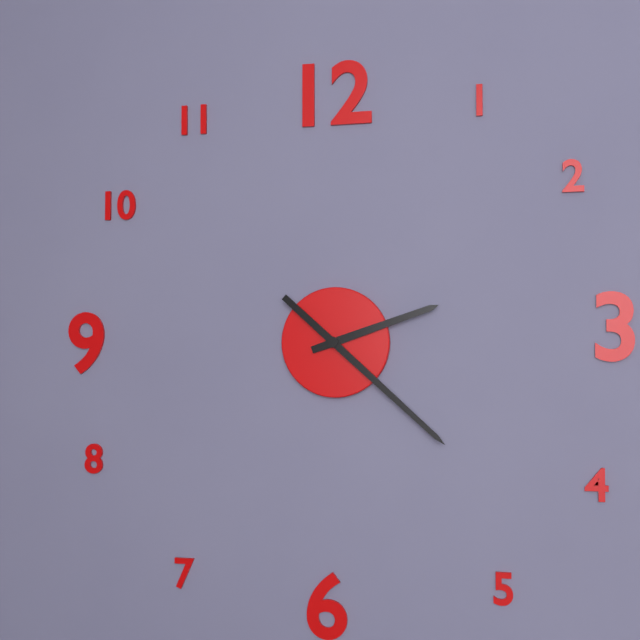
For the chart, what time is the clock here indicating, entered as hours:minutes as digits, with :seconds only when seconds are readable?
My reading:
2:22
